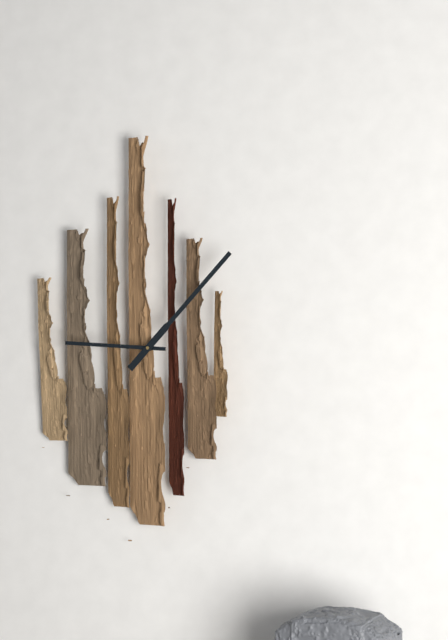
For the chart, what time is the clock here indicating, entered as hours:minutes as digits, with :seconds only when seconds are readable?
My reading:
9:07
